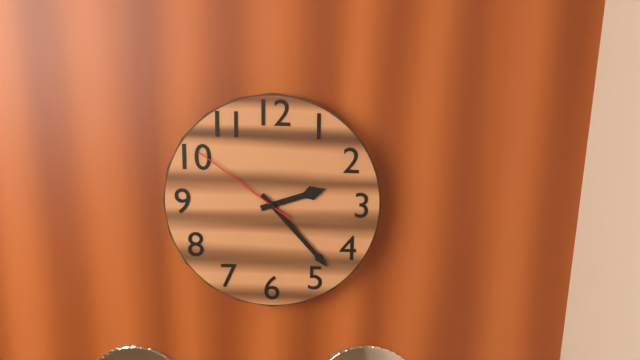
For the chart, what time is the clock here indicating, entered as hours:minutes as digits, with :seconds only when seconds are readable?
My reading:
2:23:51
